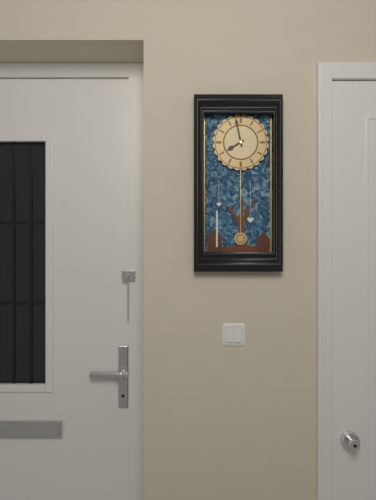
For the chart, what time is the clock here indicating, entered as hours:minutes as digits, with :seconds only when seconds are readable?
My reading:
7:58
